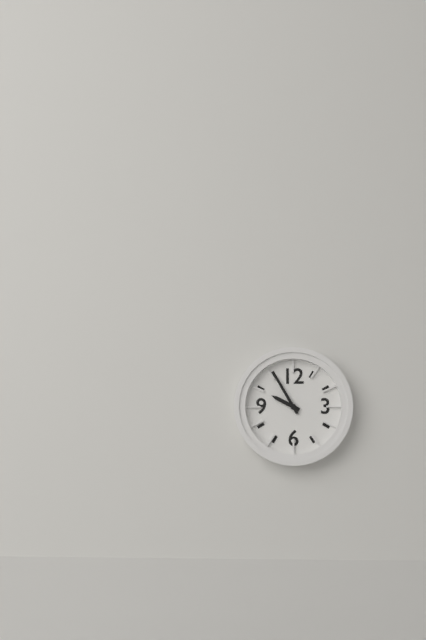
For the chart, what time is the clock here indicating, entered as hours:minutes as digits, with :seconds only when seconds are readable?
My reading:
9:55
